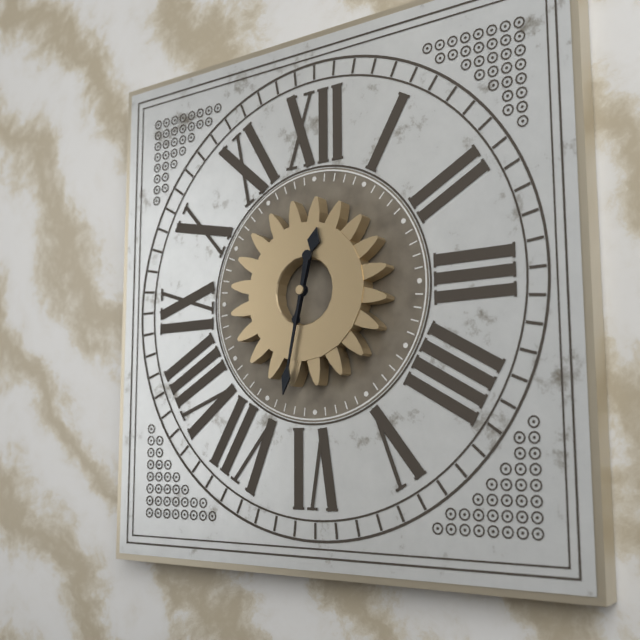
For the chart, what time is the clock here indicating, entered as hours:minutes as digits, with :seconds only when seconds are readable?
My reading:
12:32
